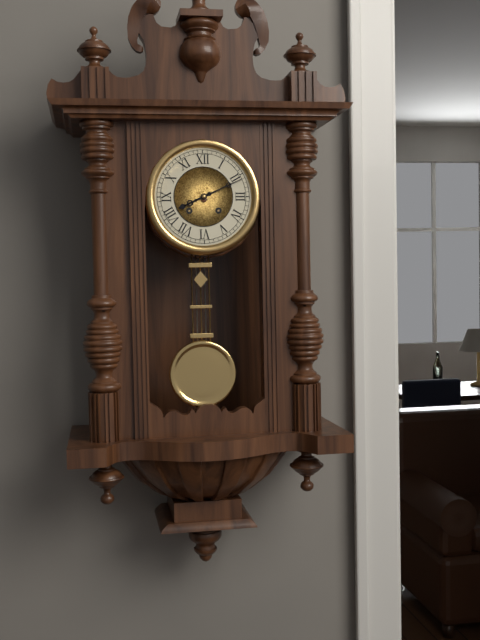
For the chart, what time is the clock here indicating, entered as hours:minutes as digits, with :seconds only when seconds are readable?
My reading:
8:11
